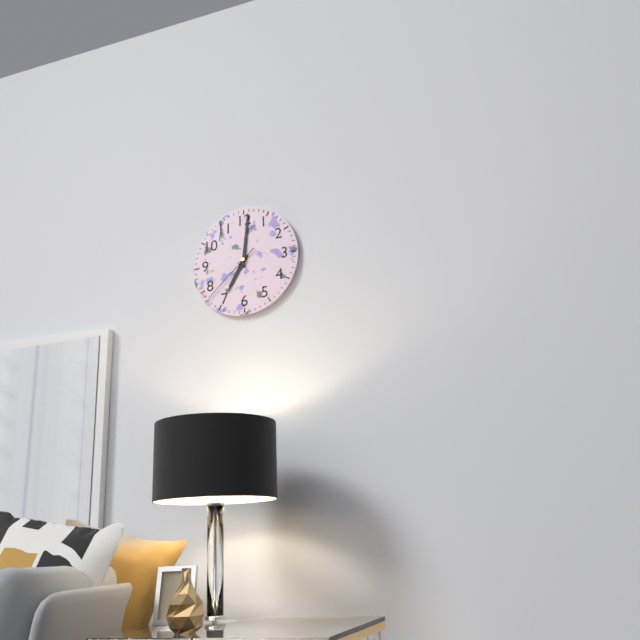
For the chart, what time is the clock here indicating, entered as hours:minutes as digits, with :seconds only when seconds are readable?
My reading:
7:01:38
